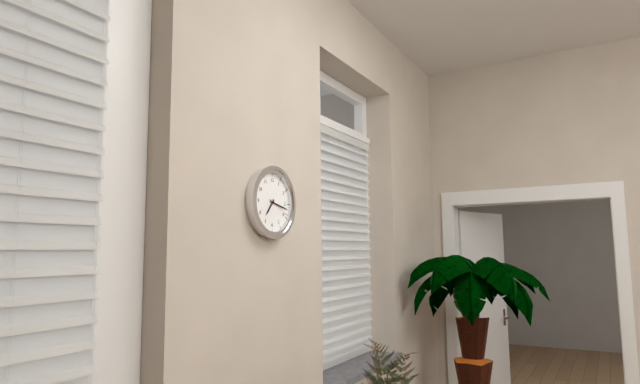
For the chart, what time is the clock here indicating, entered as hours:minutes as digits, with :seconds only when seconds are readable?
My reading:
7:17
